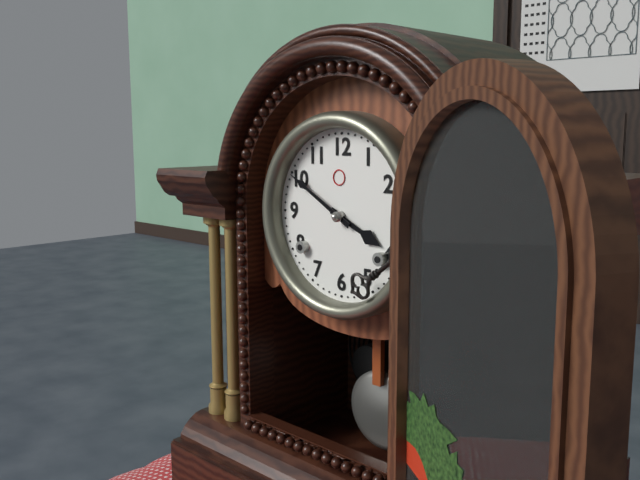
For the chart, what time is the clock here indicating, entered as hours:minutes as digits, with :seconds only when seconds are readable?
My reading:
3:50
